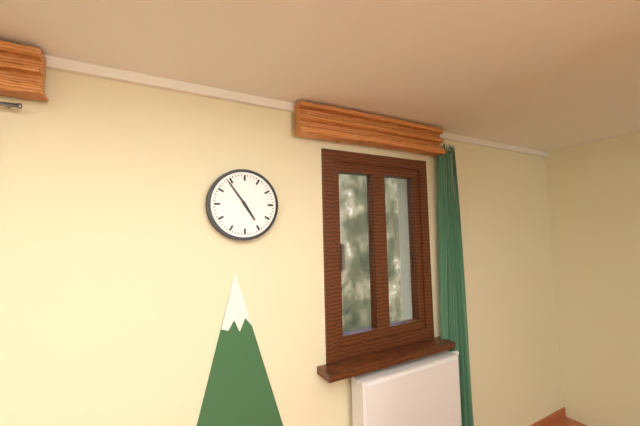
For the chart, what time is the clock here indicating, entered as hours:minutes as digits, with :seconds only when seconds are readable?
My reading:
4:54
